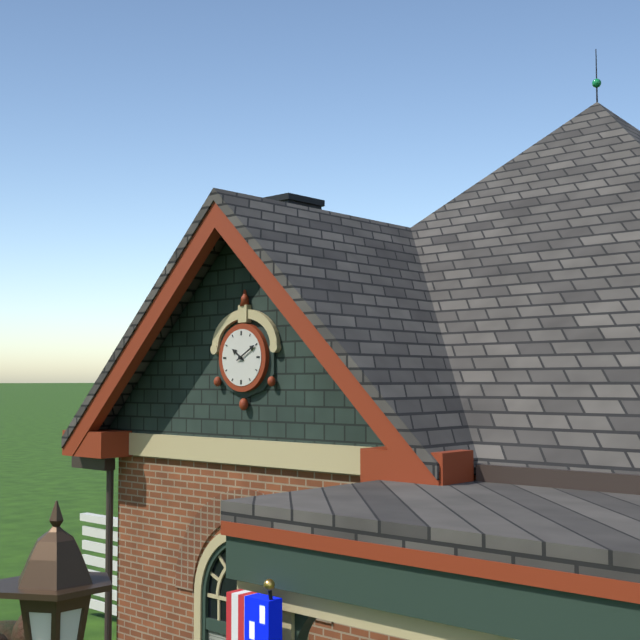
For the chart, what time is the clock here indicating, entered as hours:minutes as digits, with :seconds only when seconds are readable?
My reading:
10:10
